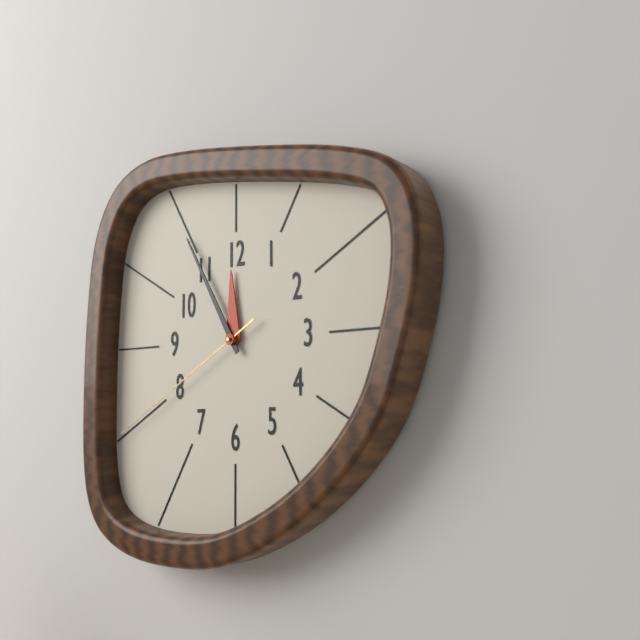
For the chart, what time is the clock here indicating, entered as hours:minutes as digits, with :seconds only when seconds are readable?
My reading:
11:55:40
